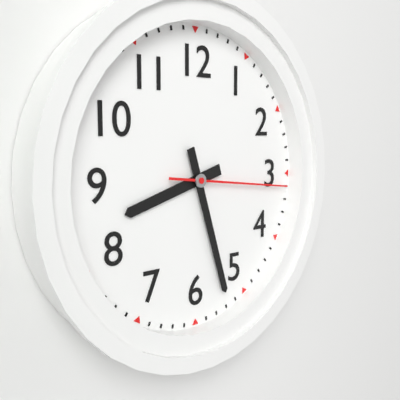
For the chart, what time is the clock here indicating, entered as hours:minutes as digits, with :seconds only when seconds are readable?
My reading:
8:27:16
